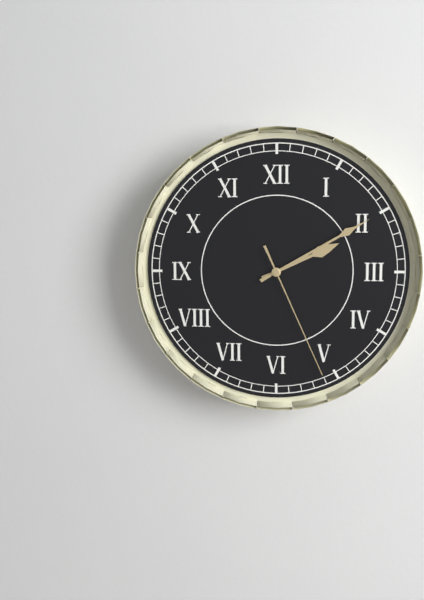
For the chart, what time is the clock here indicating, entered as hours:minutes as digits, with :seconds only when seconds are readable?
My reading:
2:10:26
